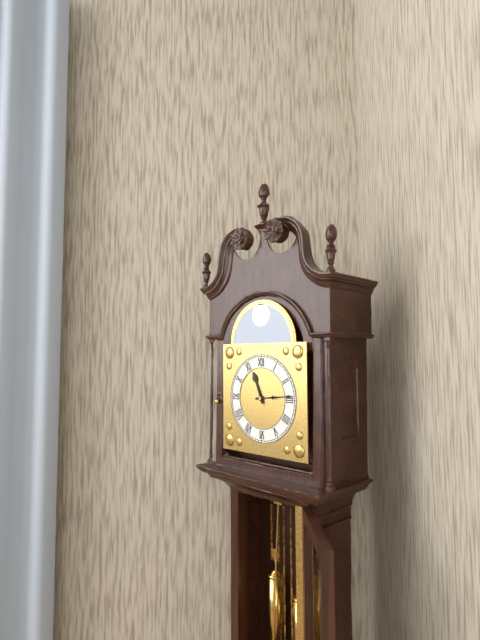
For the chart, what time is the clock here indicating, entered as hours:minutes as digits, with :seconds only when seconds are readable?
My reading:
11:14
